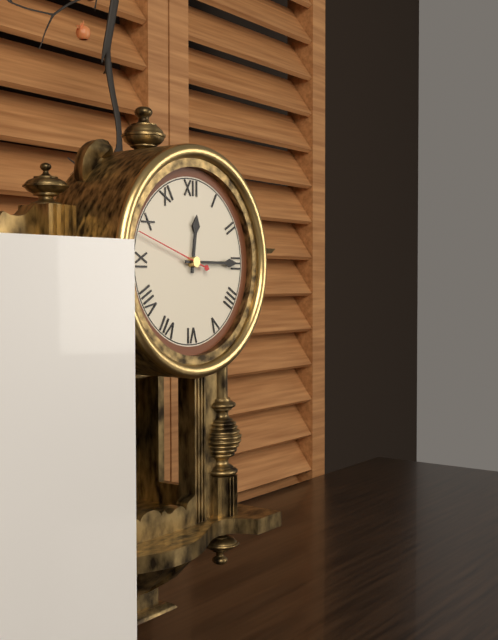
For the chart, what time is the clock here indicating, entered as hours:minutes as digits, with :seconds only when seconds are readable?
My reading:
12:15:48
